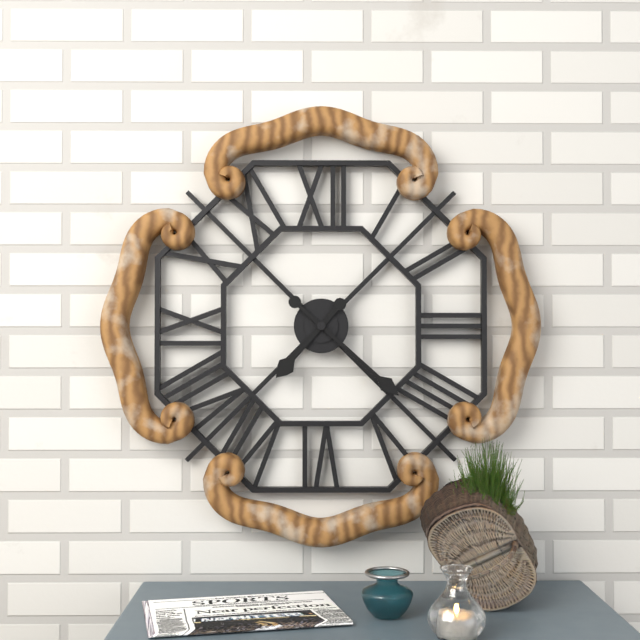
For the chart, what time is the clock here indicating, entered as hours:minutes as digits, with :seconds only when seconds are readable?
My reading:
7:22
